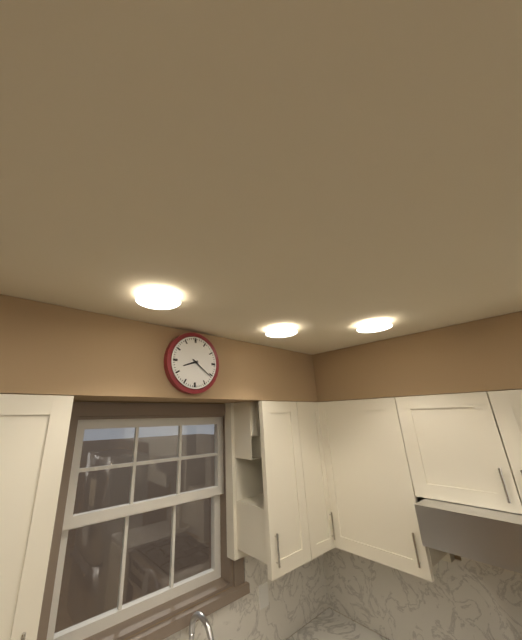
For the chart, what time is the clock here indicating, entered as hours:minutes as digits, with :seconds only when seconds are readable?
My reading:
8:21
